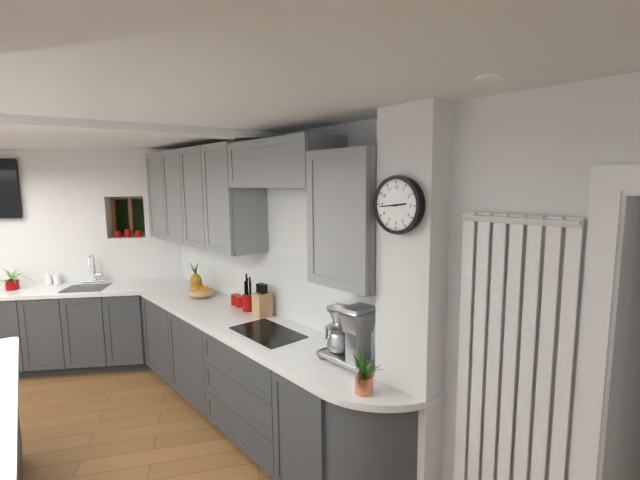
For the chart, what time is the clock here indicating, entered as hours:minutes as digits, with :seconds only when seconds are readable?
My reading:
2:44
